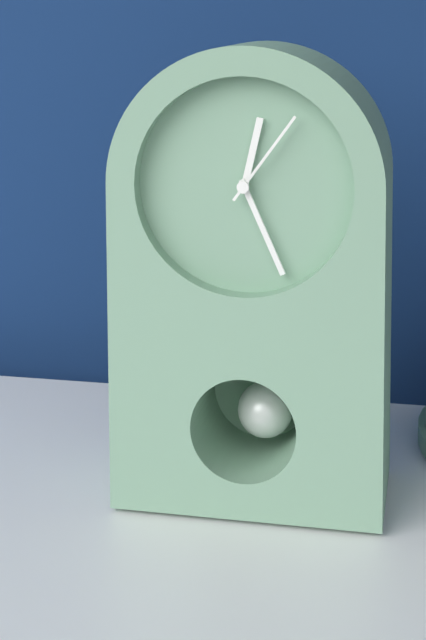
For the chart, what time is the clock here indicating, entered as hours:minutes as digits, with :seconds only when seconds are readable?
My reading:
12:26:06
